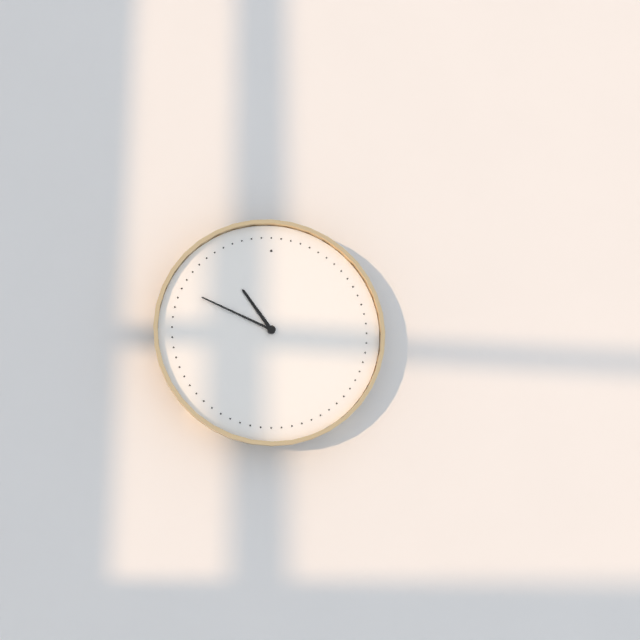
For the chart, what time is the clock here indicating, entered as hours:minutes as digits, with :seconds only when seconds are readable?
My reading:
10:49
